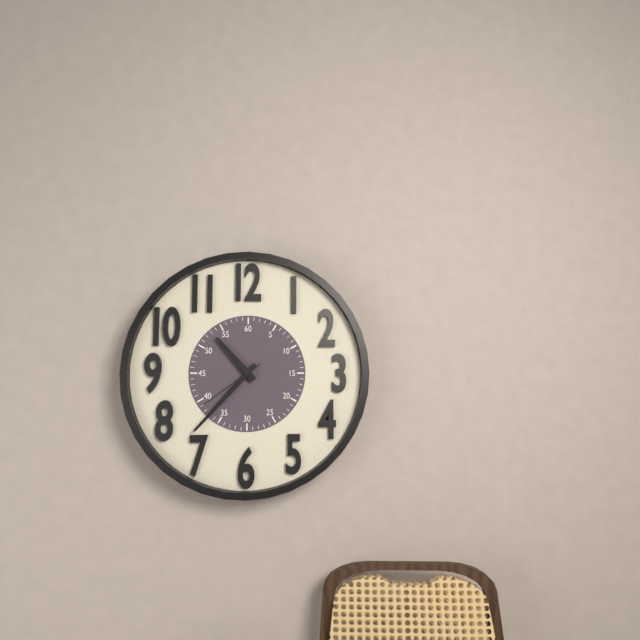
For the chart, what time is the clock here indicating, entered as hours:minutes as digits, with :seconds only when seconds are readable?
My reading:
10:37:39
